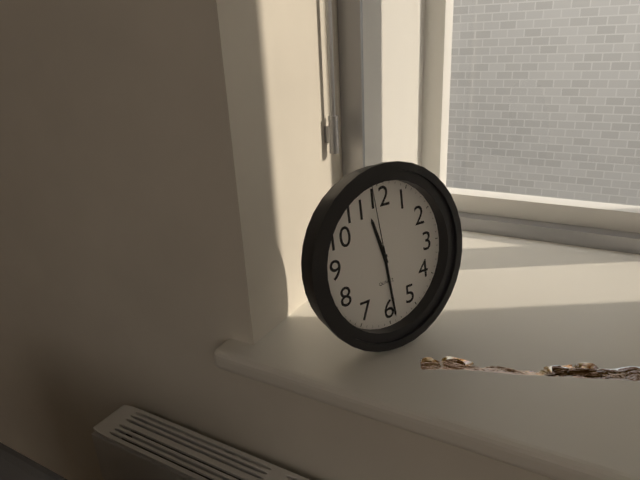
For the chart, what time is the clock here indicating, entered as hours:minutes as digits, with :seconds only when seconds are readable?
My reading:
11:29:59
